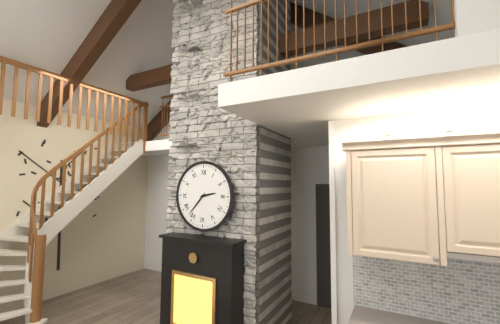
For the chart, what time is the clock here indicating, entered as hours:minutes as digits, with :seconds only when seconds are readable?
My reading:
2:37
